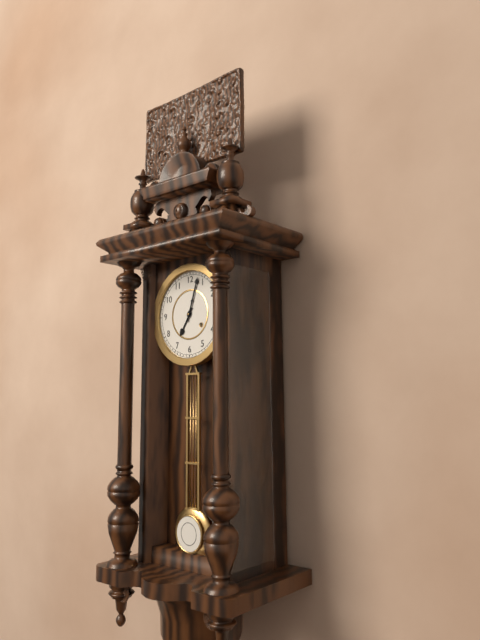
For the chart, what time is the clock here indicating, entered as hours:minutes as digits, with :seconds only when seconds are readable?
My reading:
7:03
